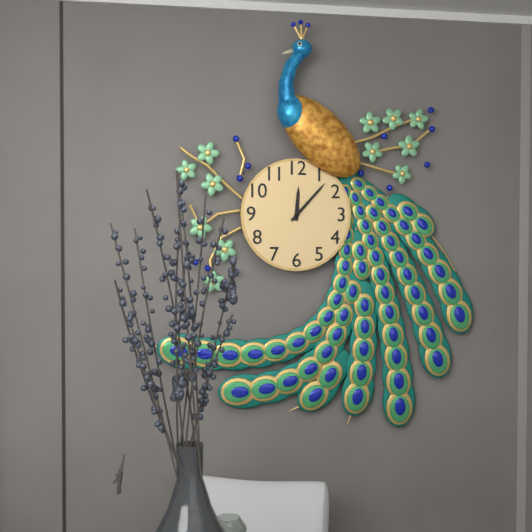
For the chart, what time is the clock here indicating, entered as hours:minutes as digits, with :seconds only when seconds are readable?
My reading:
12:07
